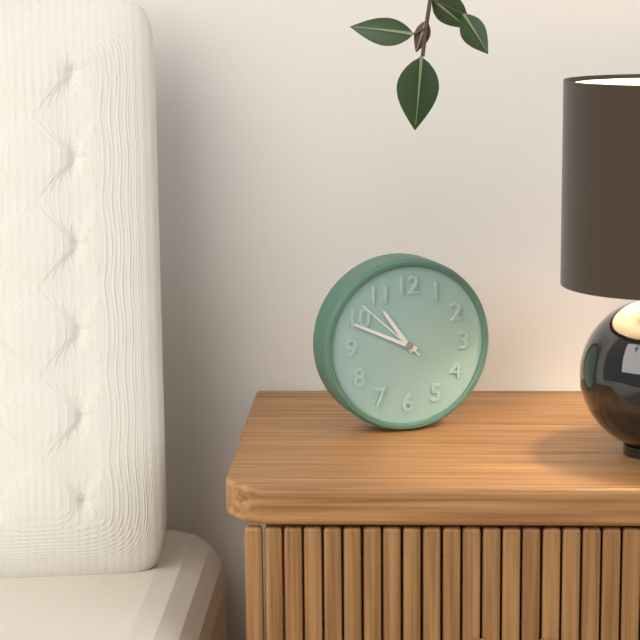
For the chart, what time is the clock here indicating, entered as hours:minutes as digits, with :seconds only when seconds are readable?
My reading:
10:49:52
